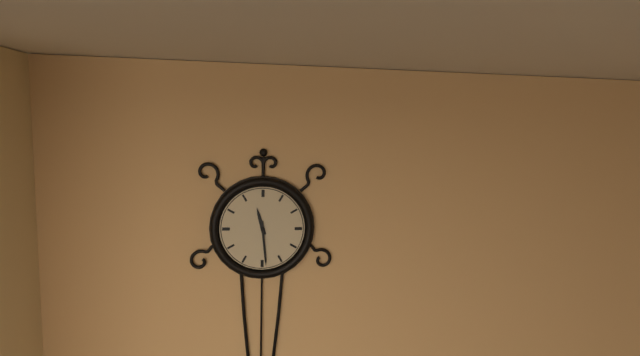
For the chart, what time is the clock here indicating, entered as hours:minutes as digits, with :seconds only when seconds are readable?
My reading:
11:29
